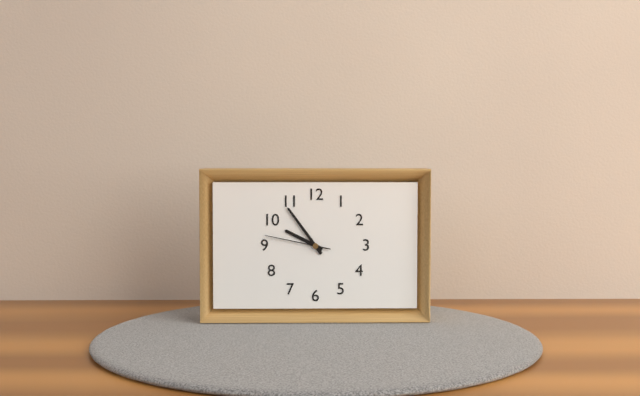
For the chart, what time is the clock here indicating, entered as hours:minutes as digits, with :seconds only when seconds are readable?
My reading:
9:54:47
